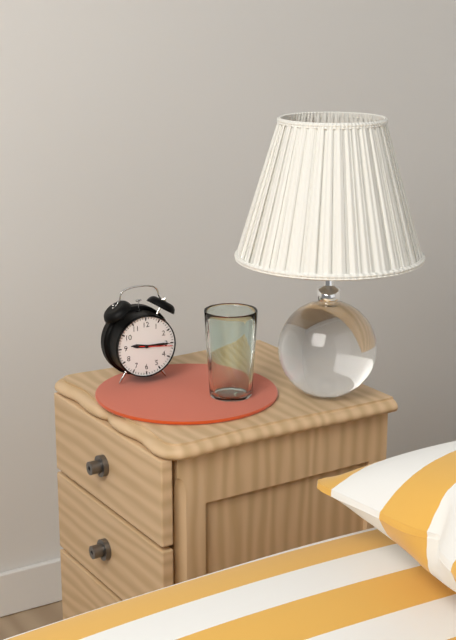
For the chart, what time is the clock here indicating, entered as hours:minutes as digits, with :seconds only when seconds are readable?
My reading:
9:15
